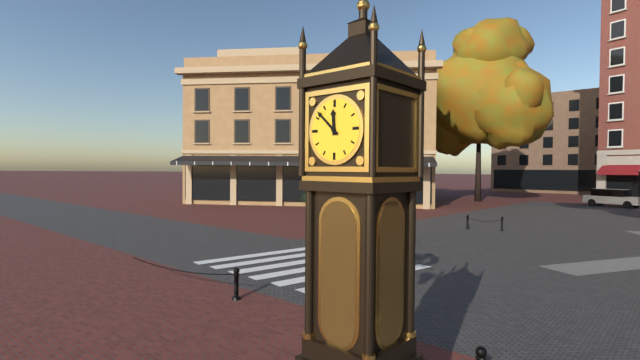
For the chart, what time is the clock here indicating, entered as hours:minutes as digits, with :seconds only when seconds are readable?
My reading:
11:52
